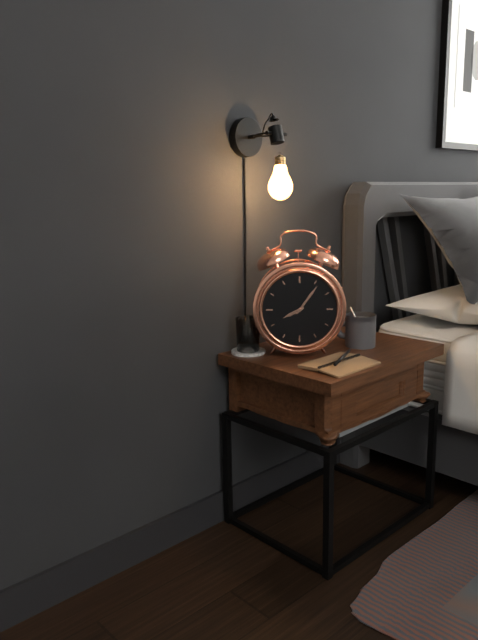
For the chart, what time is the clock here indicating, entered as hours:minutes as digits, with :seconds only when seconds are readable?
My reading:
8:06
